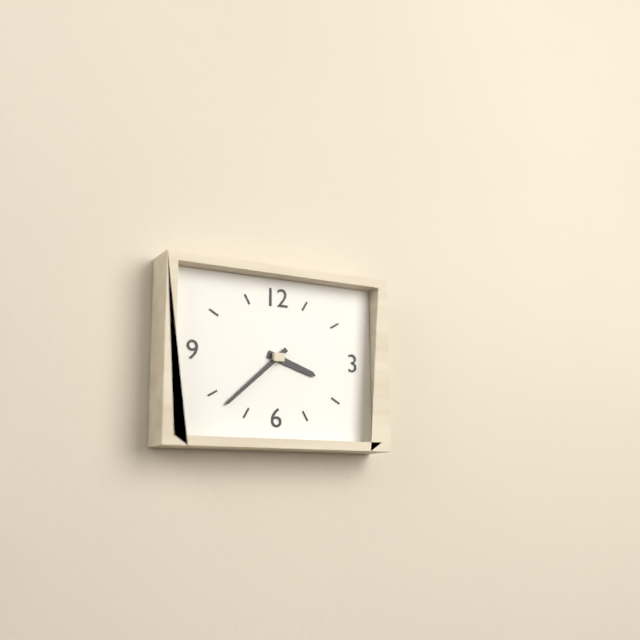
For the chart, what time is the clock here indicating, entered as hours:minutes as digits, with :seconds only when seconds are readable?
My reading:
3:38
